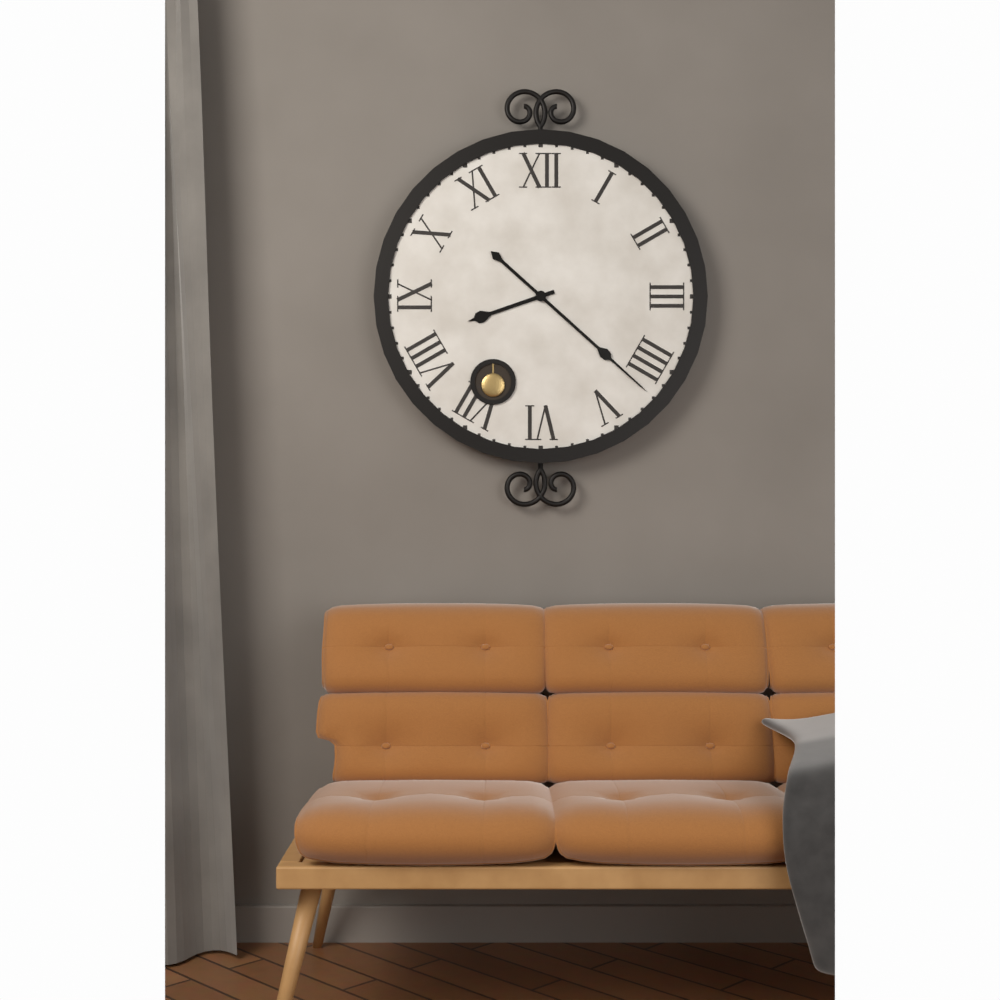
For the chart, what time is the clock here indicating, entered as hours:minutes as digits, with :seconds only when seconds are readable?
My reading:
8:22
